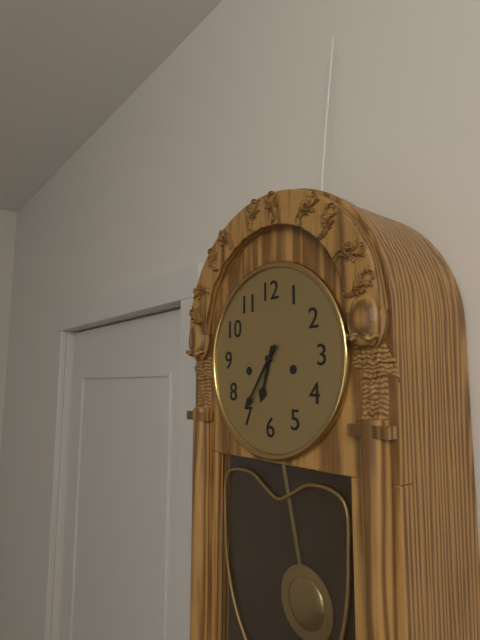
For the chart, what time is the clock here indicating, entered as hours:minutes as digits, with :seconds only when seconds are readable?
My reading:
6:36
